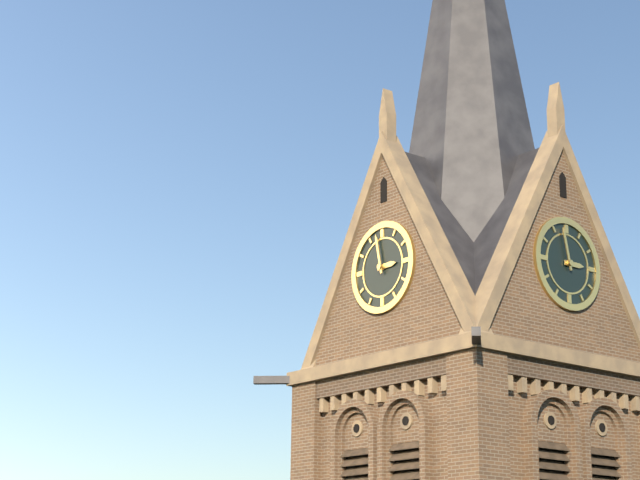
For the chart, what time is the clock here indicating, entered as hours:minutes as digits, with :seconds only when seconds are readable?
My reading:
2:58
